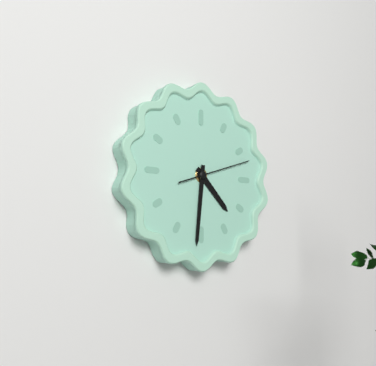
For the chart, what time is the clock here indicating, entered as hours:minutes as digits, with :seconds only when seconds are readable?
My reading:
4:31:12
